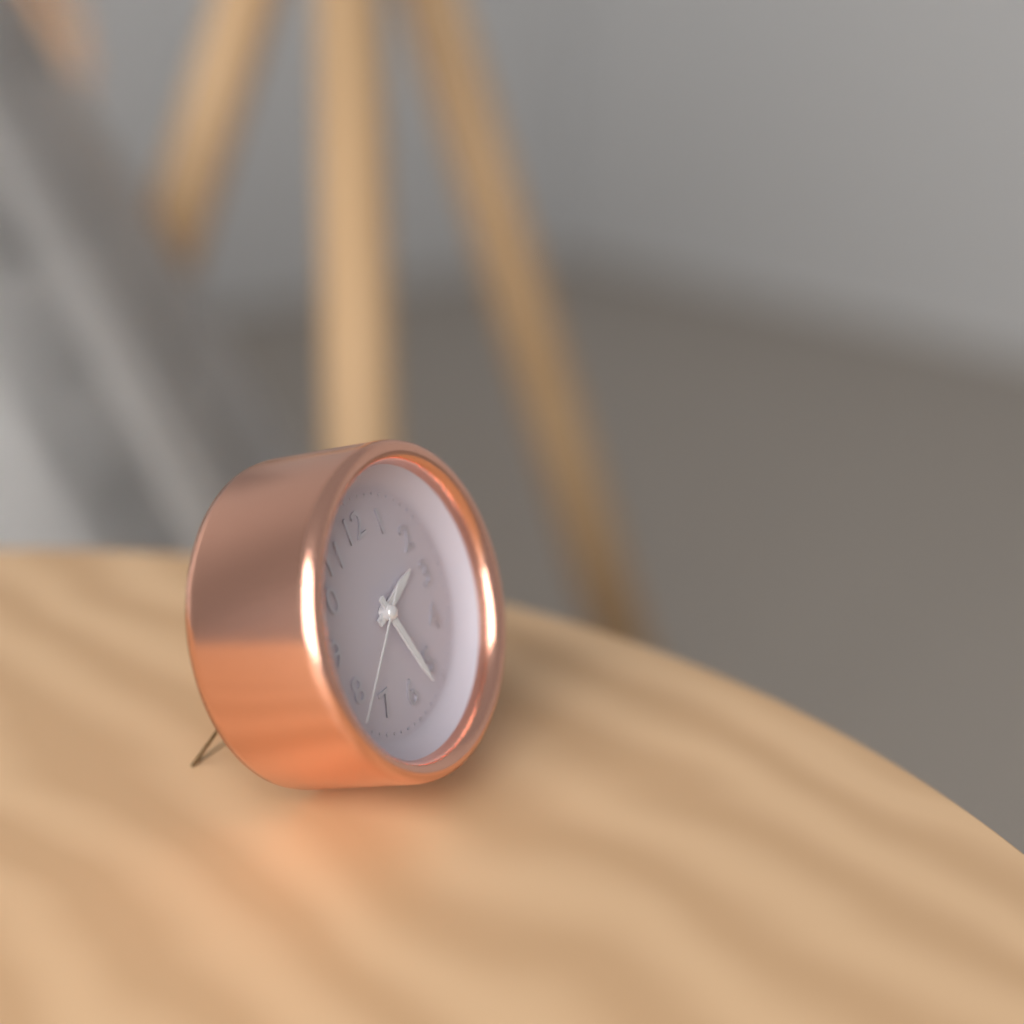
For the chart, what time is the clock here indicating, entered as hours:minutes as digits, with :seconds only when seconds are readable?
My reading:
2:27:39
